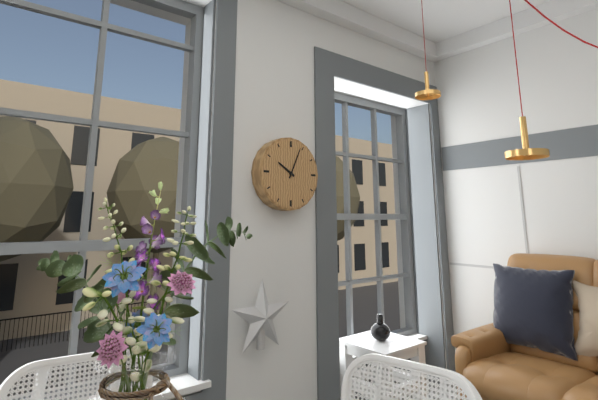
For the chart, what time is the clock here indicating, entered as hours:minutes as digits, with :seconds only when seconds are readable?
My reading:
10:04
